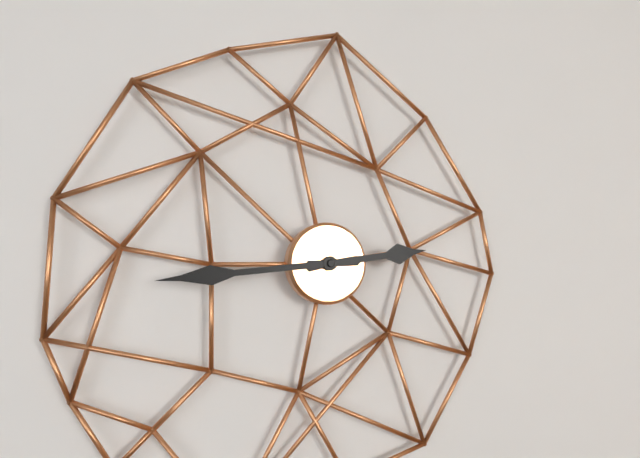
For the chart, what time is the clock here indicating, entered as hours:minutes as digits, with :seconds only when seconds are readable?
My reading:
2:44
